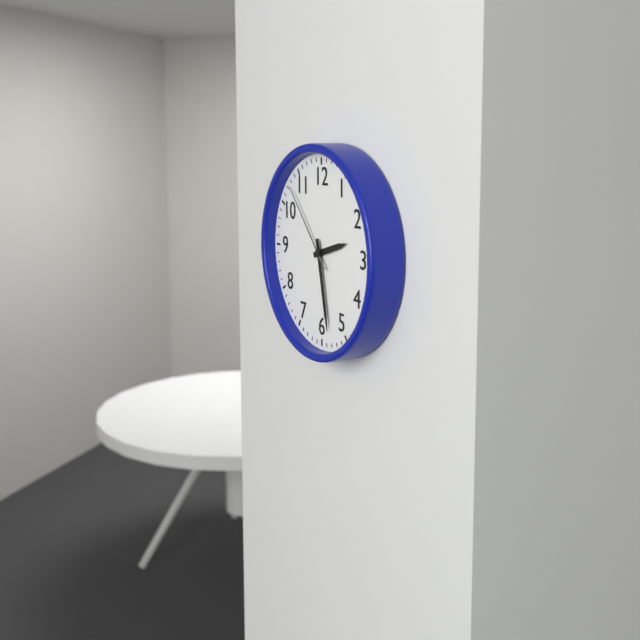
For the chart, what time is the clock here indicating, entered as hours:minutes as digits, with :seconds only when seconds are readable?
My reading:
2:28:53
